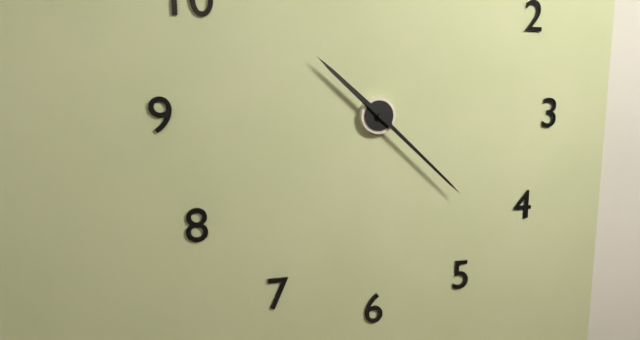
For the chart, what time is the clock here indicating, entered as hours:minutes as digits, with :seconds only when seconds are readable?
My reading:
10:22
